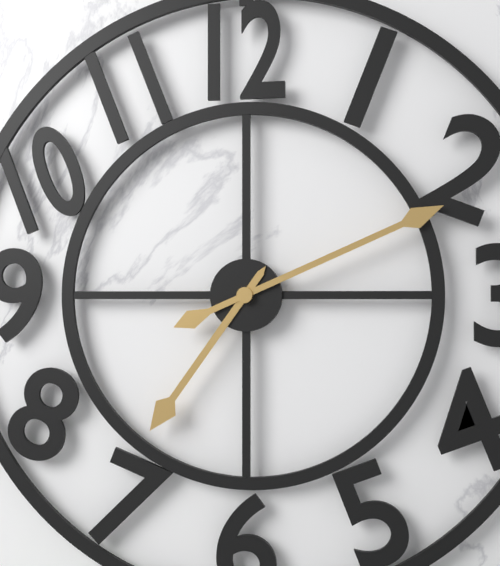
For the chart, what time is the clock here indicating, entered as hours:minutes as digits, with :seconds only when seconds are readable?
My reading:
7:11
